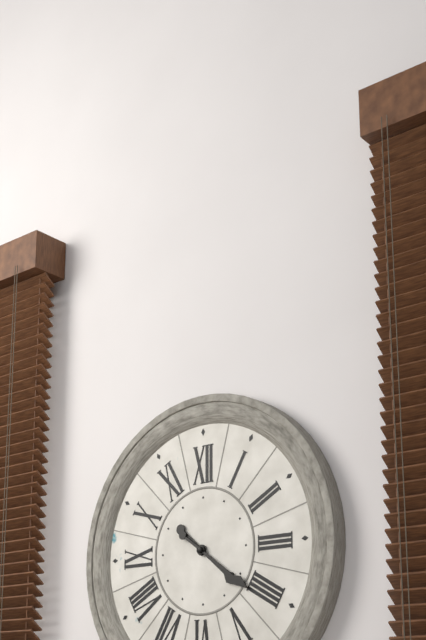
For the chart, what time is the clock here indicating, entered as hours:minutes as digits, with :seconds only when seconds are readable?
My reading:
4:21
